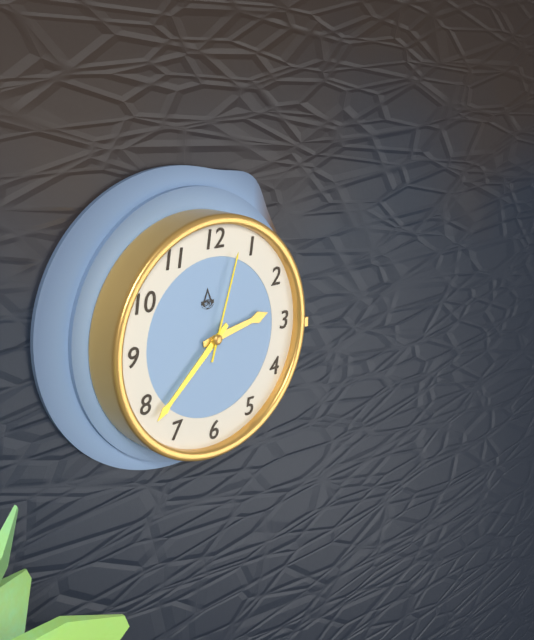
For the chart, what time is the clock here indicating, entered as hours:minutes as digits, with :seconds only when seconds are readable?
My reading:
2:38:03
